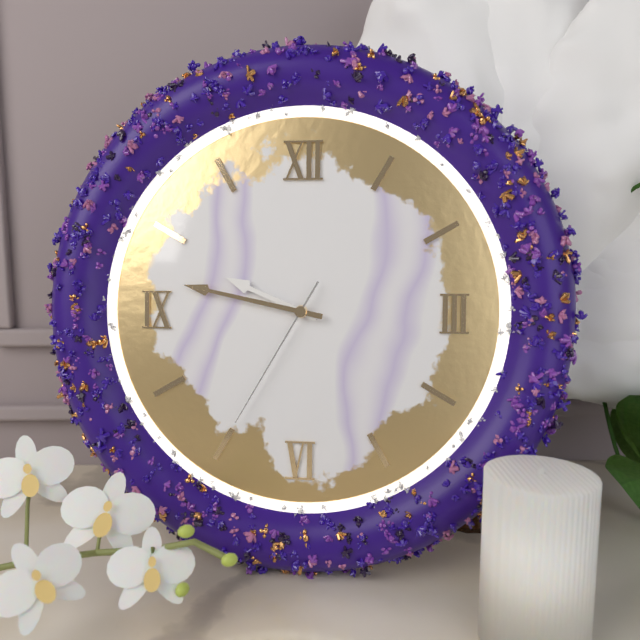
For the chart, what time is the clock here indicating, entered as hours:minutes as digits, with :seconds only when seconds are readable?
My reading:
9:47:35
